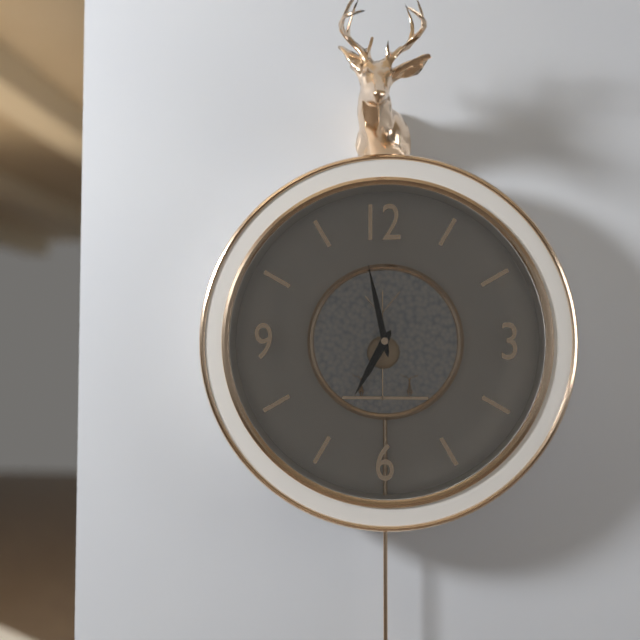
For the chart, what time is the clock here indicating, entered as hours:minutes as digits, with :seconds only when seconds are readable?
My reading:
6:58
